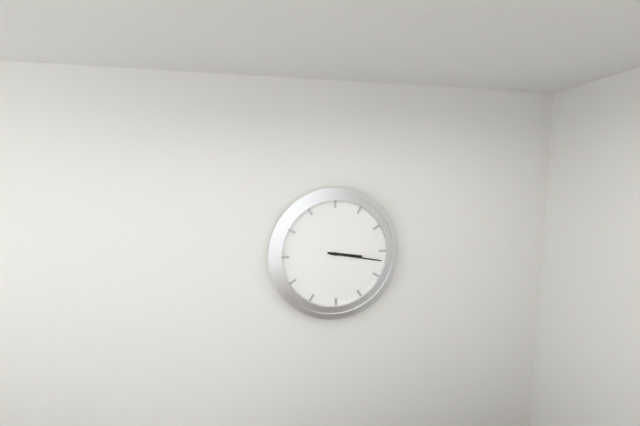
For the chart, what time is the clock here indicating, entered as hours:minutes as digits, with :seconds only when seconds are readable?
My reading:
3:17
